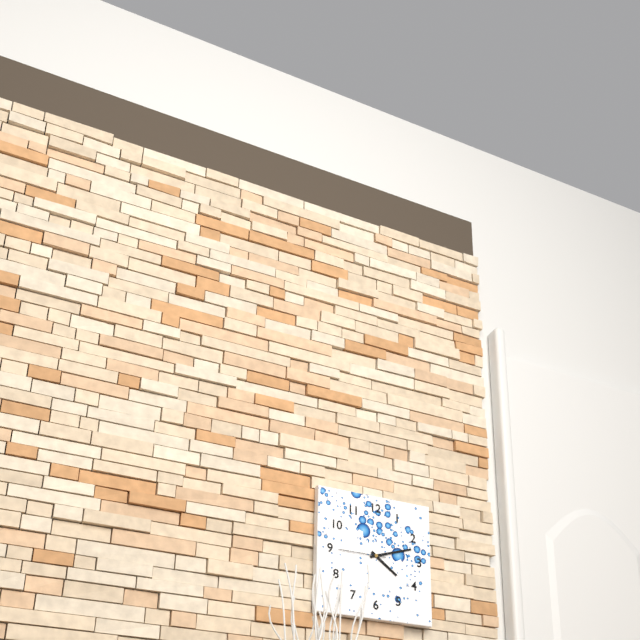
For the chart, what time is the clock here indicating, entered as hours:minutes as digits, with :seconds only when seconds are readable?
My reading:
4:12
